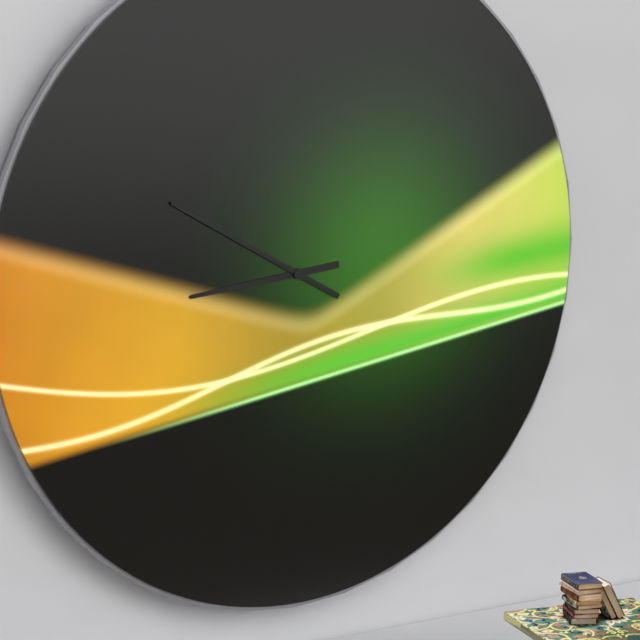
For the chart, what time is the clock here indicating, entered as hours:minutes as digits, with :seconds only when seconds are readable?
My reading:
8:50
